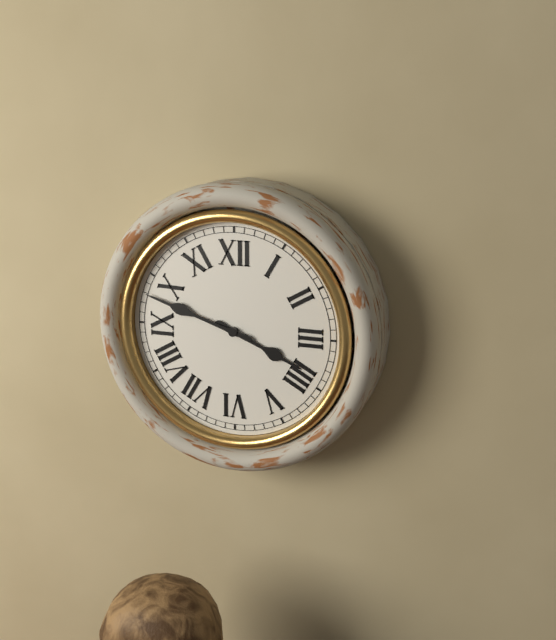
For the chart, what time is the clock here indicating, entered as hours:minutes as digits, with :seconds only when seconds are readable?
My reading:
3:48
